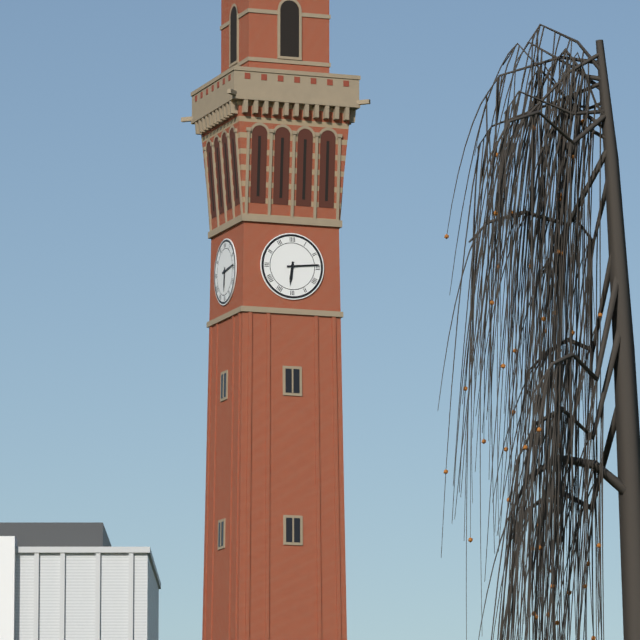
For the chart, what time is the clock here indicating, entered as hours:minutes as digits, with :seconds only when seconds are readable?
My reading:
6:14
